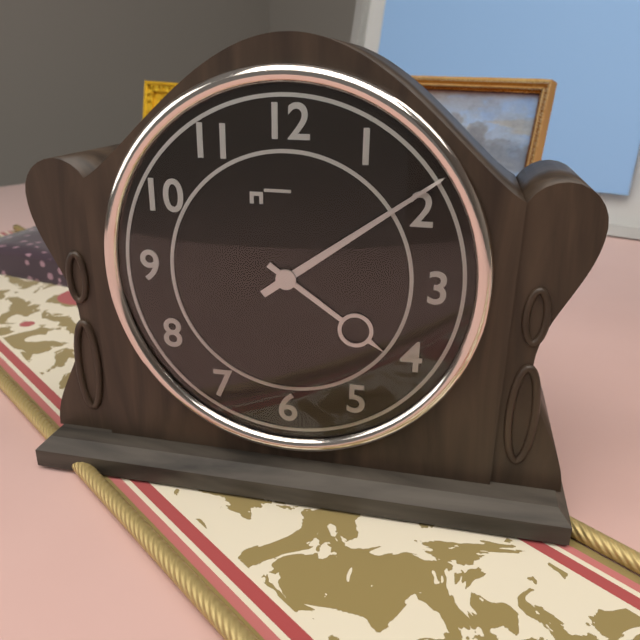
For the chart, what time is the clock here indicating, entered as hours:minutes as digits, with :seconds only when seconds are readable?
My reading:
4:09
